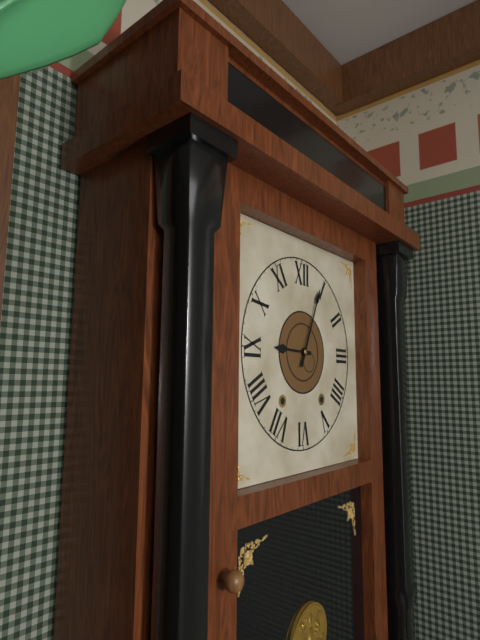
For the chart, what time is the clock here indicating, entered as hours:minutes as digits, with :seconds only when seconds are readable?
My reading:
9:04
